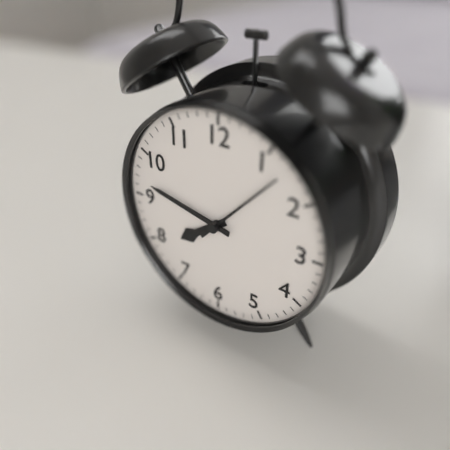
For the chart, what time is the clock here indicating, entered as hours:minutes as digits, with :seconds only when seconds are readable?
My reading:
7:47:07
